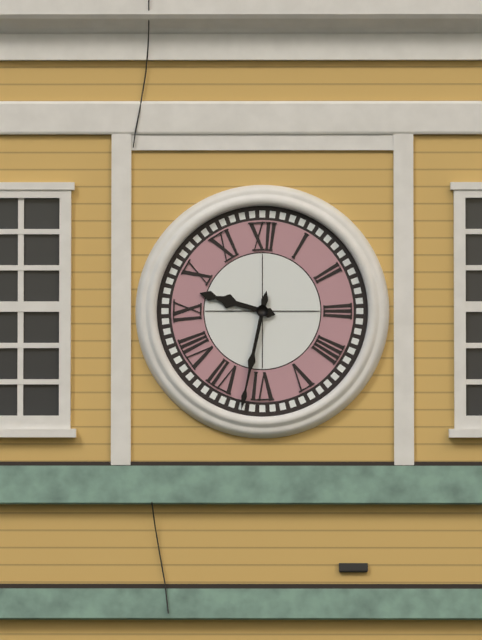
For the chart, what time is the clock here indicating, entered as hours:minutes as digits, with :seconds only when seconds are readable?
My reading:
9:32
